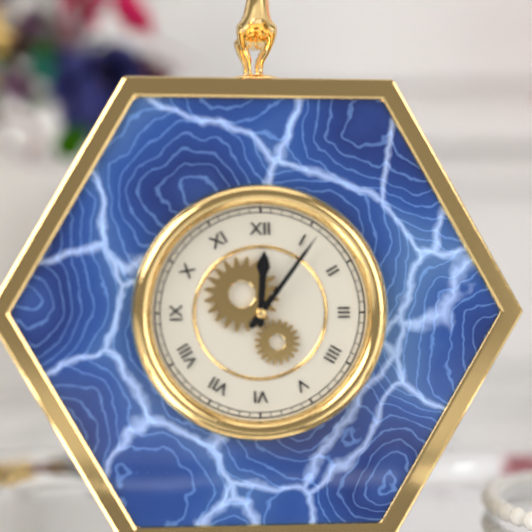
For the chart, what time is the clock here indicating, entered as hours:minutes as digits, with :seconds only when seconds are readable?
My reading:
12:06
